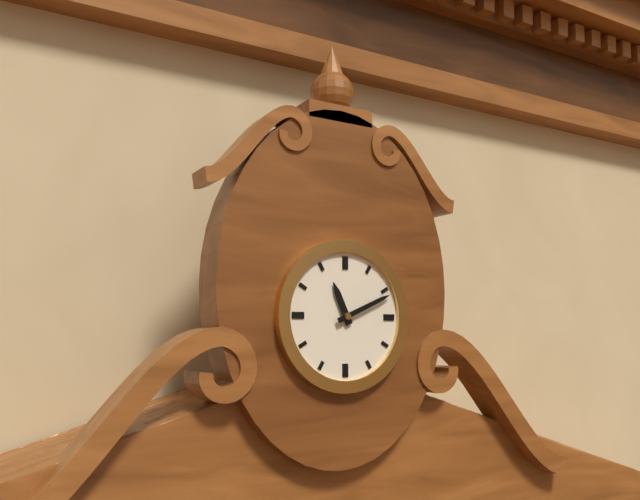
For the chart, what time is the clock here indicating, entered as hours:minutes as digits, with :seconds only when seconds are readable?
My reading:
11:11
